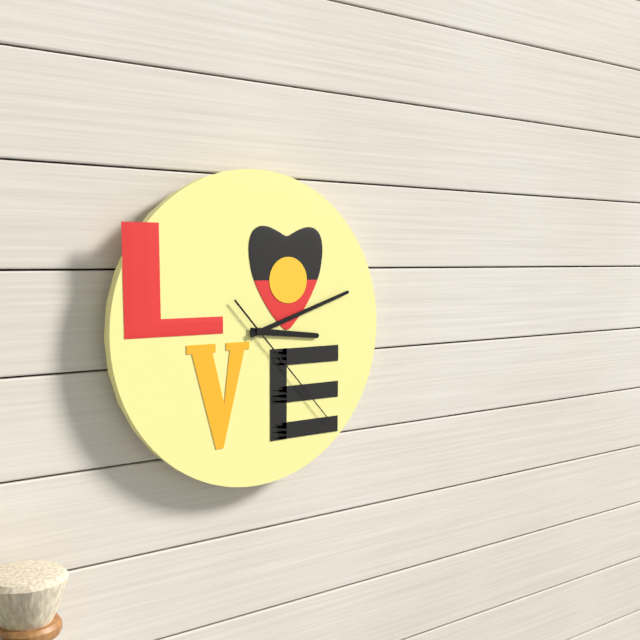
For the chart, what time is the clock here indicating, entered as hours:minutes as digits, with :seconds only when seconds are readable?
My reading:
3:12:23
